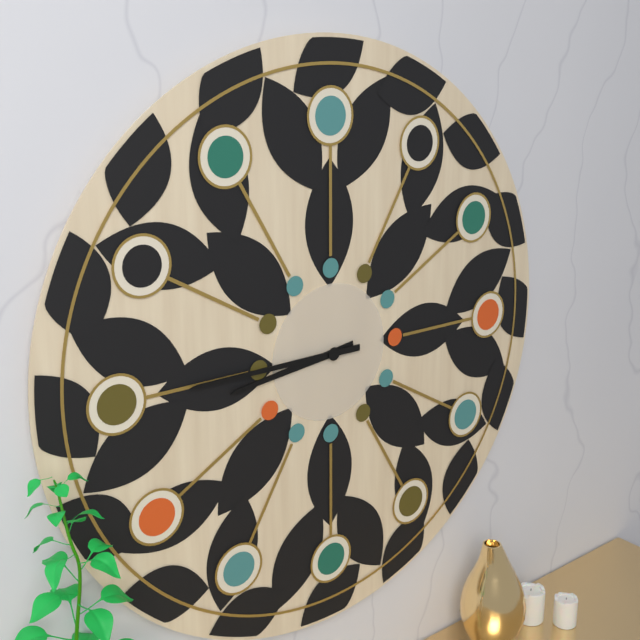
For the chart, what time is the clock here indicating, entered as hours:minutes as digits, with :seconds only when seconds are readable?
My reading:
8:45
